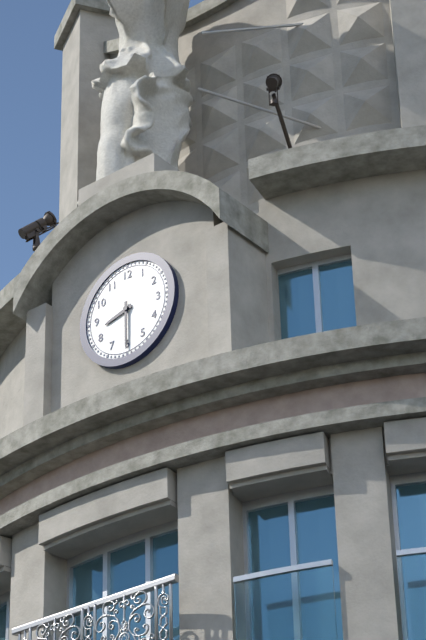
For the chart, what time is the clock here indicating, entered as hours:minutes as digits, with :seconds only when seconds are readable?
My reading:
8:30
